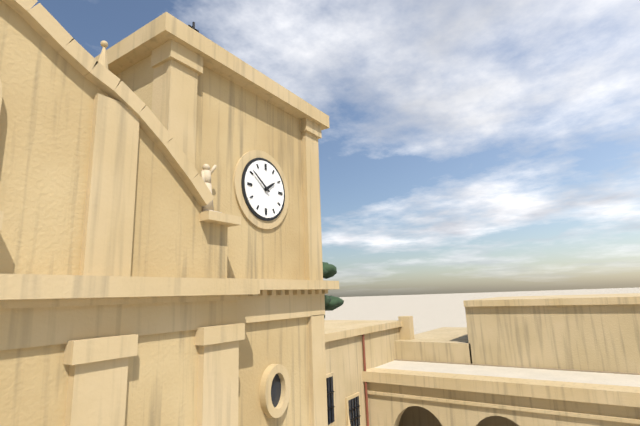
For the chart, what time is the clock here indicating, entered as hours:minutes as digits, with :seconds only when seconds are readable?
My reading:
1:51
